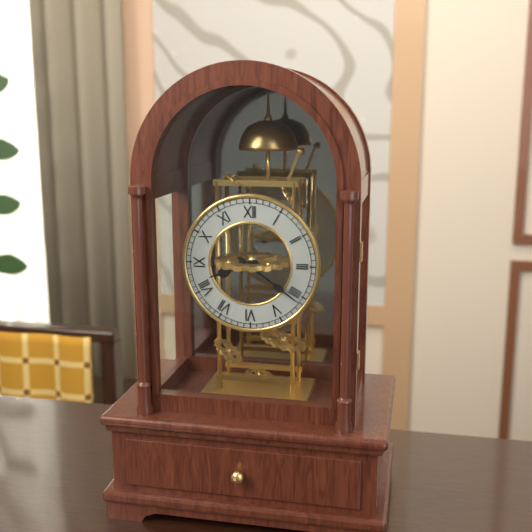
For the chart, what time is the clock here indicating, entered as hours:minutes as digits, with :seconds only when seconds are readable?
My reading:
8:21
